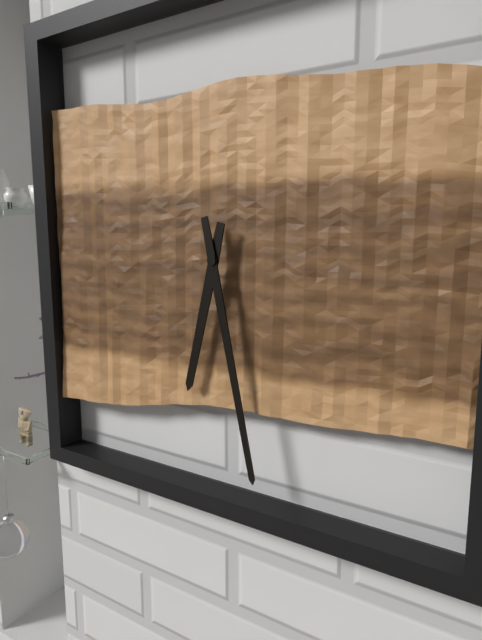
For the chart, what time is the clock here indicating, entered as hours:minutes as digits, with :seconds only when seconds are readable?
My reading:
6:28
